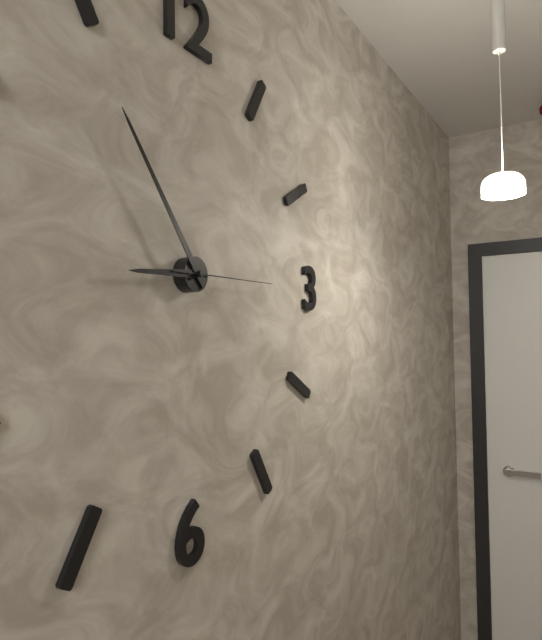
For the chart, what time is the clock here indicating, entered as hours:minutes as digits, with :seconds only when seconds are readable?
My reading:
8:54:15
